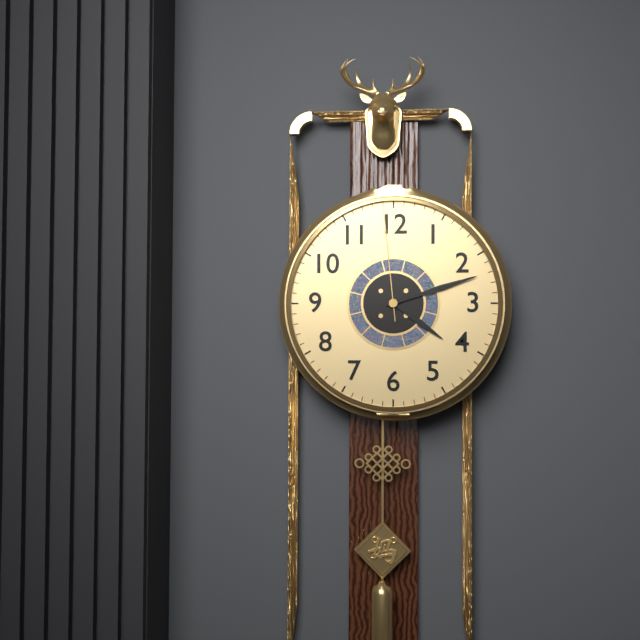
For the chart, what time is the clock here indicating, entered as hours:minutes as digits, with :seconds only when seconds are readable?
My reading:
4:12:59
